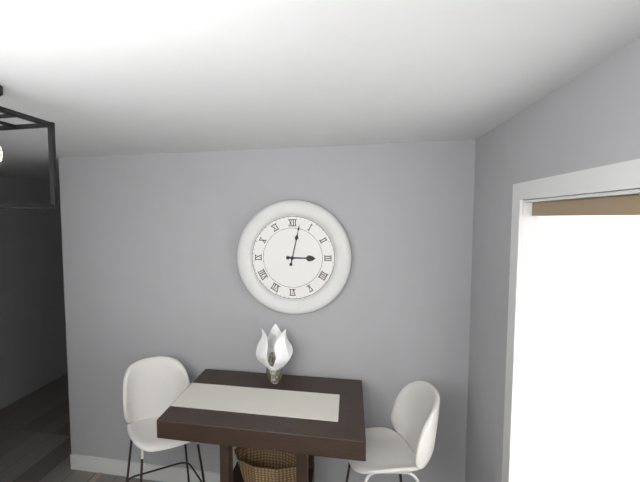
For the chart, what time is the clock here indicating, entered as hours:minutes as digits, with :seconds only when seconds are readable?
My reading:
3:02
